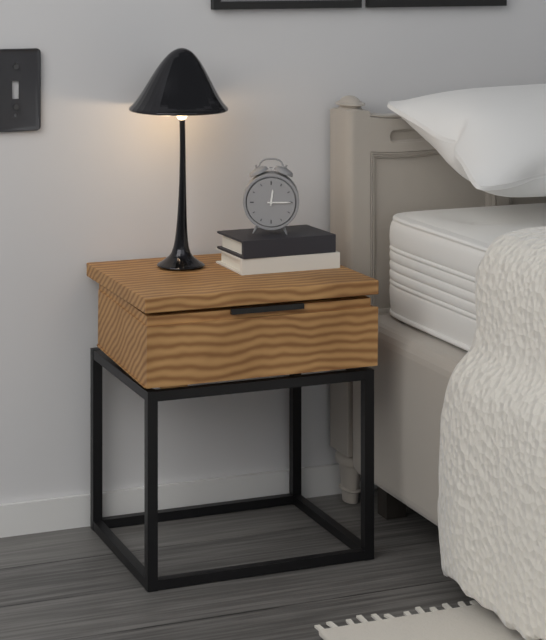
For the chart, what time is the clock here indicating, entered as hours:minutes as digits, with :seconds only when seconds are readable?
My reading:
12:15
